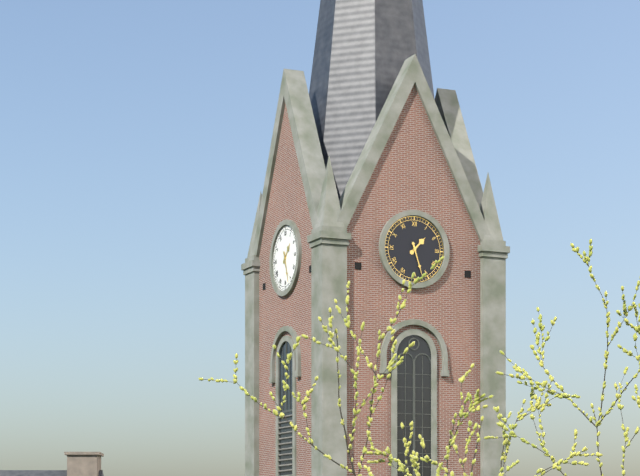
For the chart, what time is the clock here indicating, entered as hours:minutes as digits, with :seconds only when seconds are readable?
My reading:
1:27
